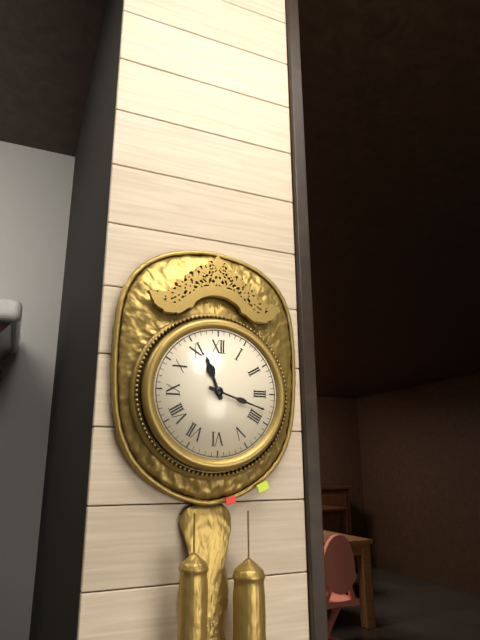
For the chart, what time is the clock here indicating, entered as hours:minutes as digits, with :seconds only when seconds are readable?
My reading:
11:18
